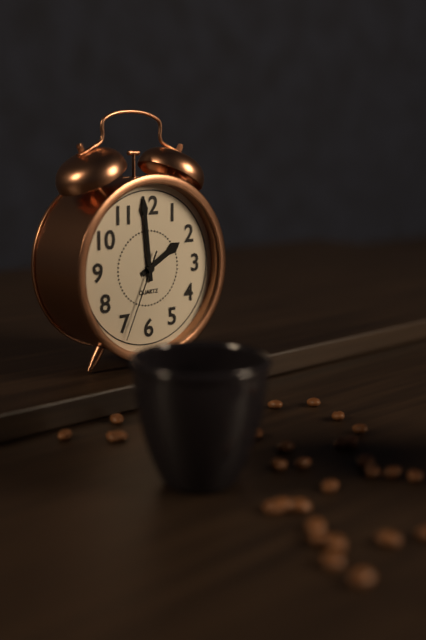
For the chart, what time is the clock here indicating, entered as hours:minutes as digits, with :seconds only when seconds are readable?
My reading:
1:59:34
